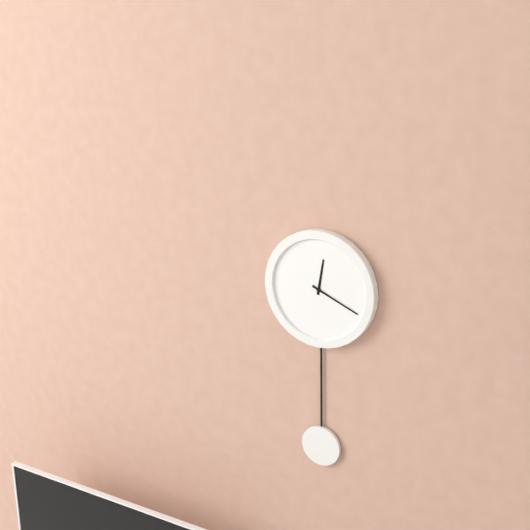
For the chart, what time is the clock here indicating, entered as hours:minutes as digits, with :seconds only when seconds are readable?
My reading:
12:19
